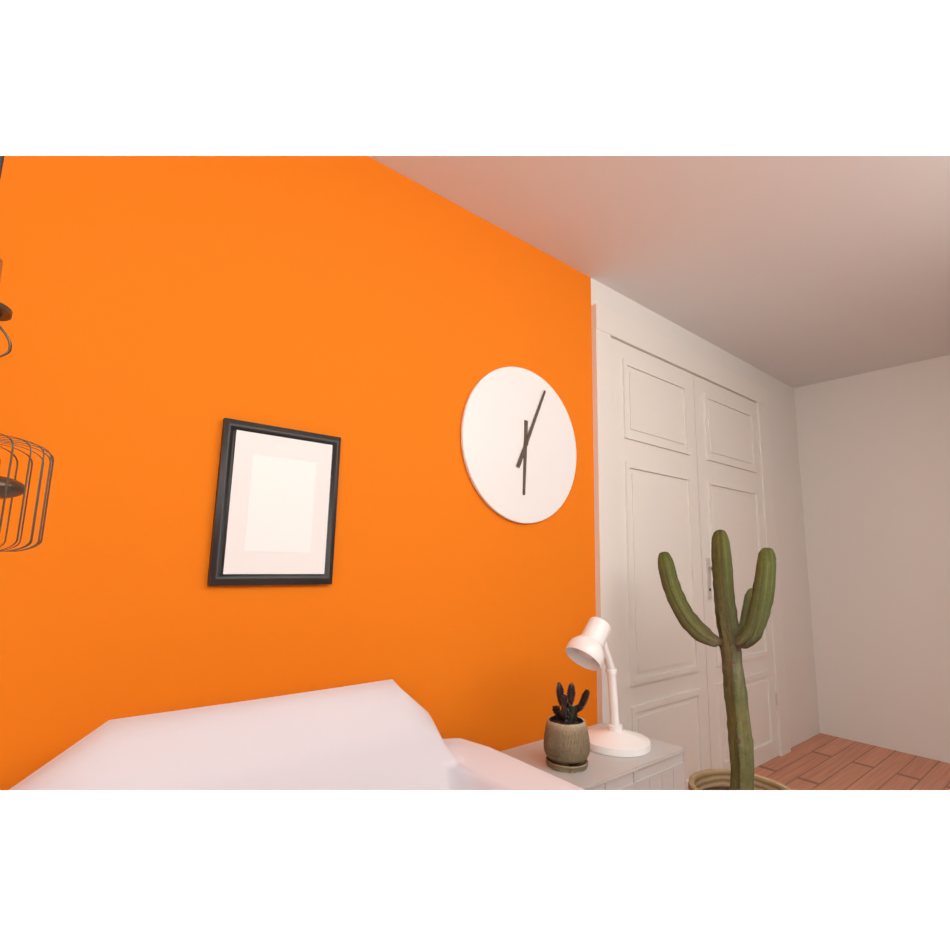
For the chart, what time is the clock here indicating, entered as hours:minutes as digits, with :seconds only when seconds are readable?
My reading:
6:04
